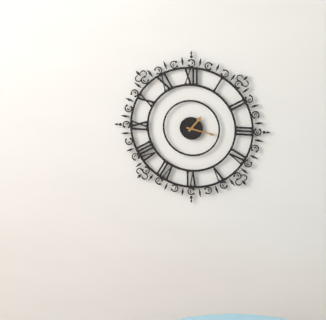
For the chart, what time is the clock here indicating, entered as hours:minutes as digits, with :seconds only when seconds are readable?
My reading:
1:17
